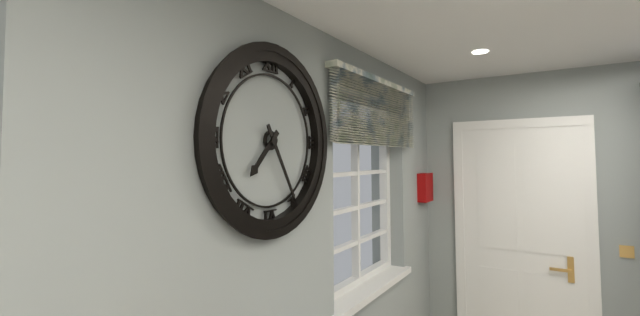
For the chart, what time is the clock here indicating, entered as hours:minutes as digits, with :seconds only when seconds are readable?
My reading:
7:25
